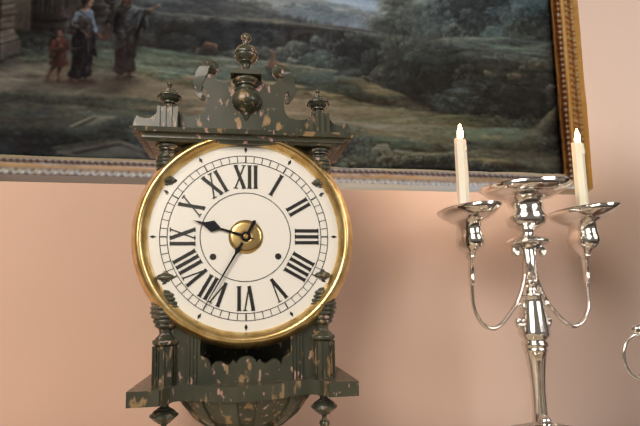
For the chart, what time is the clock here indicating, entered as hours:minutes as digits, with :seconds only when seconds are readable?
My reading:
9:35
